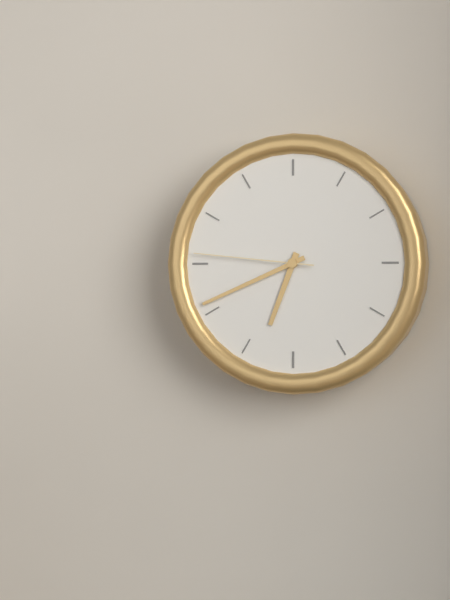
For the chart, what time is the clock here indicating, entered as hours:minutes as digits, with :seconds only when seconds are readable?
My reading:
6:41:46
